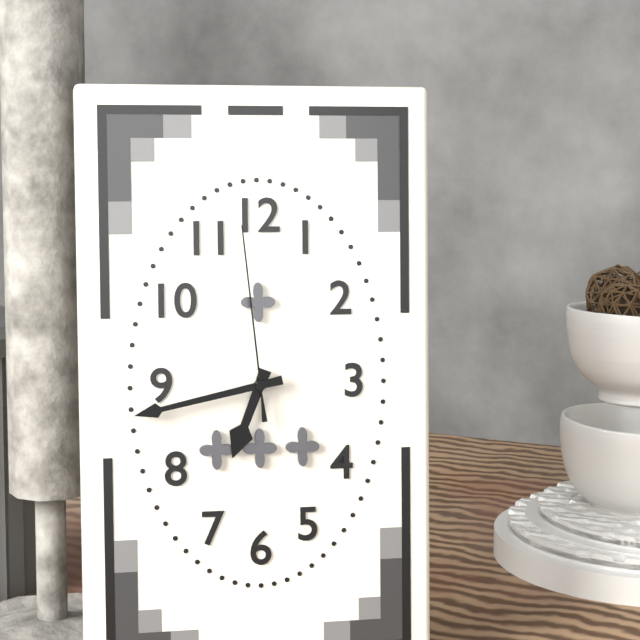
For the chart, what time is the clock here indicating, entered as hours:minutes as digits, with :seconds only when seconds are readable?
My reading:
6:43:59
